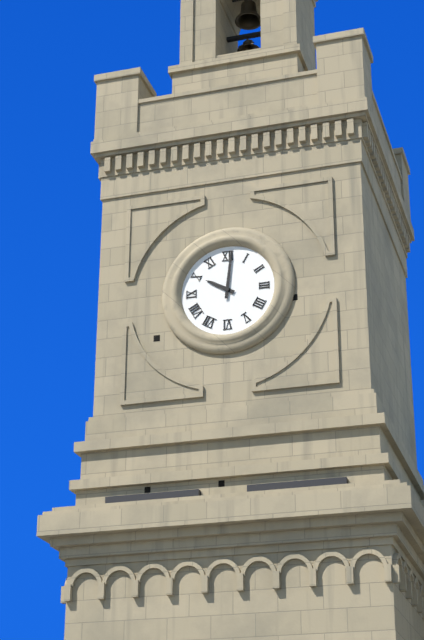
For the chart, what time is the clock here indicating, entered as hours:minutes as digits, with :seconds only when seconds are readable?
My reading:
10:01
